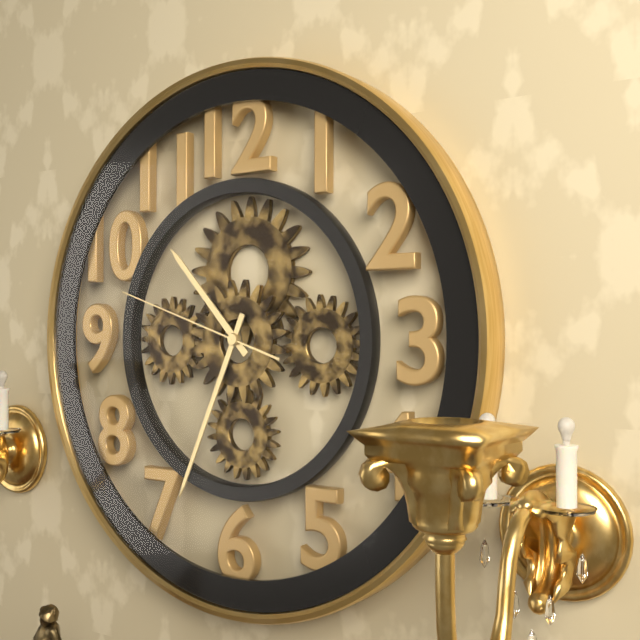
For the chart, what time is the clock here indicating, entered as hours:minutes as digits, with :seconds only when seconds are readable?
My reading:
10:34:48
